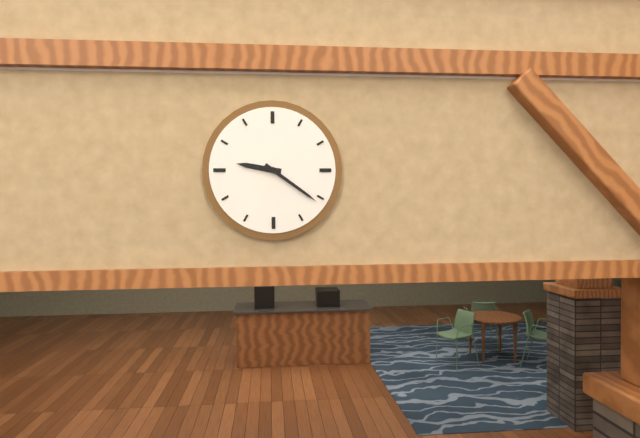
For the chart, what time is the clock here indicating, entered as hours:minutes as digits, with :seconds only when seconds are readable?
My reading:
9:21
